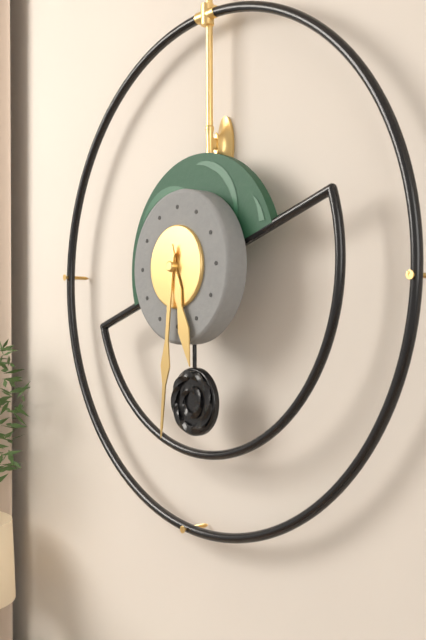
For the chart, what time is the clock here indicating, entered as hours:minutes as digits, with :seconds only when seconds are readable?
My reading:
5:31
